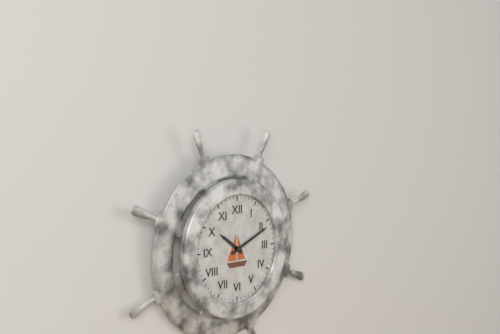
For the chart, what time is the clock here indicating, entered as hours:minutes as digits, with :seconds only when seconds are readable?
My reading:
10:11
